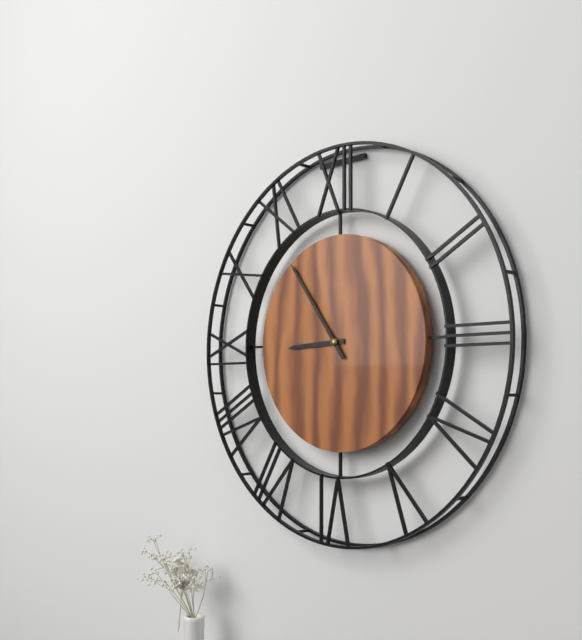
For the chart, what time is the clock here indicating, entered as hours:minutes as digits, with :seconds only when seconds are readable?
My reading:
8:54
